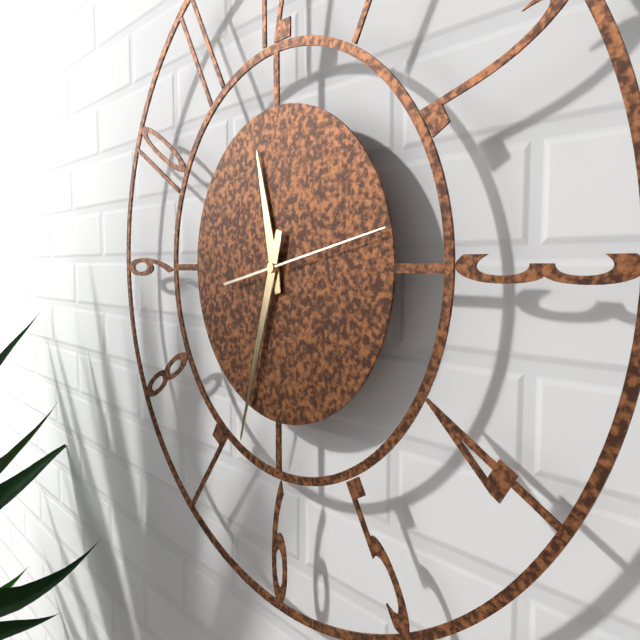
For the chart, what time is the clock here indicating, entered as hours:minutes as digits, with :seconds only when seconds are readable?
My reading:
11:33:13
